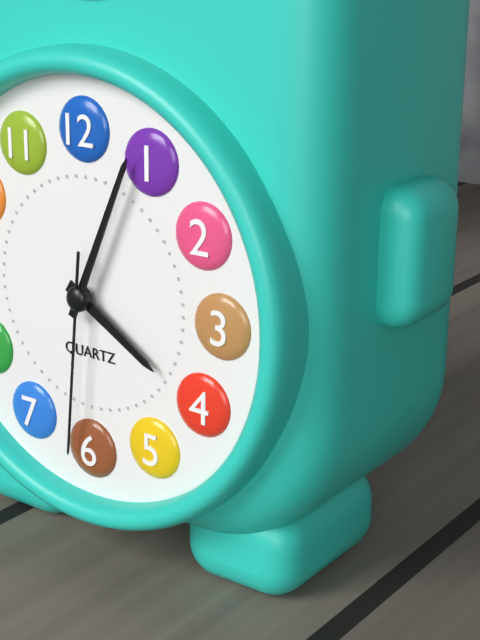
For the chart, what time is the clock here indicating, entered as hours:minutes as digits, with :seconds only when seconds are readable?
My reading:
4:04:31
